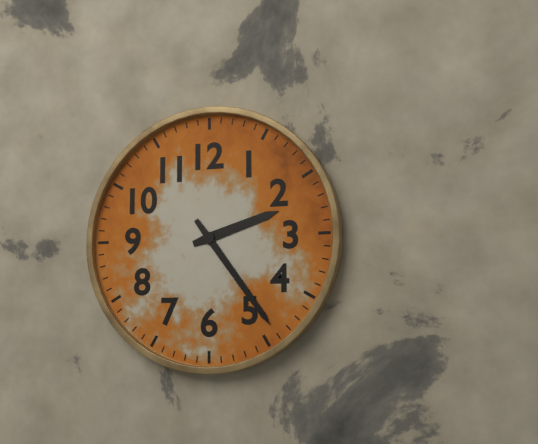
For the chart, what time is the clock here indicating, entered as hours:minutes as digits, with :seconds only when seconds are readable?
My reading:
2:24
